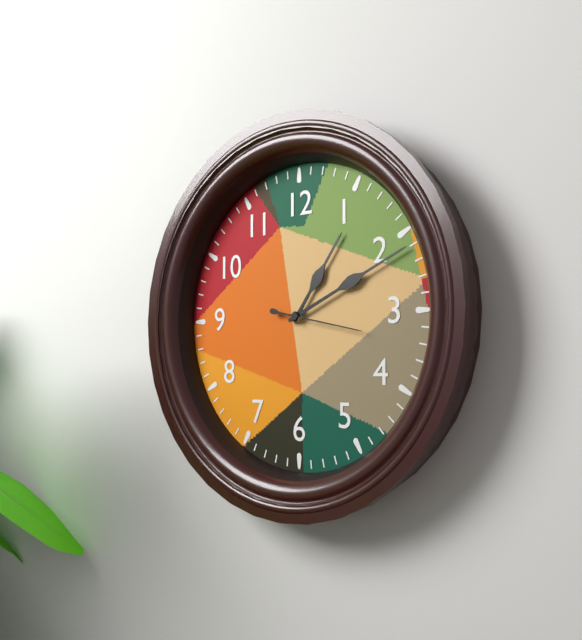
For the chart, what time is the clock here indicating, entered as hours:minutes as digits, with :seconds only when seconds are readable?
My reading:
1:11:17
